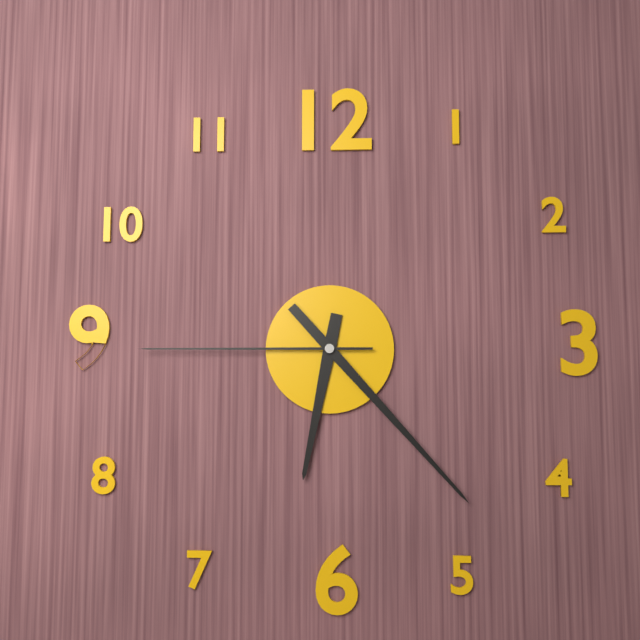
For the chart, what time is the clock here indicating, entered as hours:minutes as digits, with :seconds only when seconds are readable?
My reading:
6:23:45
